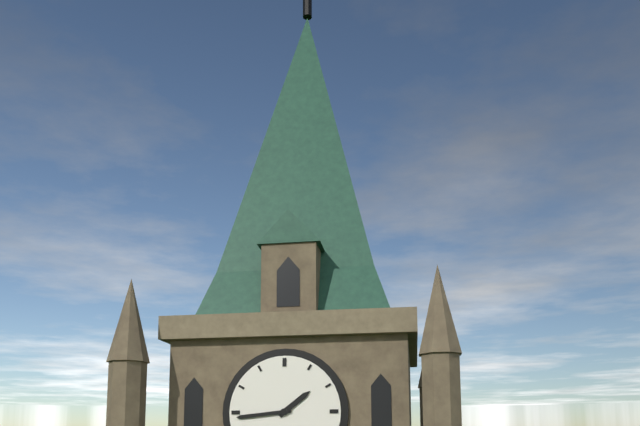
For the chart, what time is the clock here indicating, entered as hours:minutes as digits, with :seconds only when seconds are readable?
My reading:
1:44
